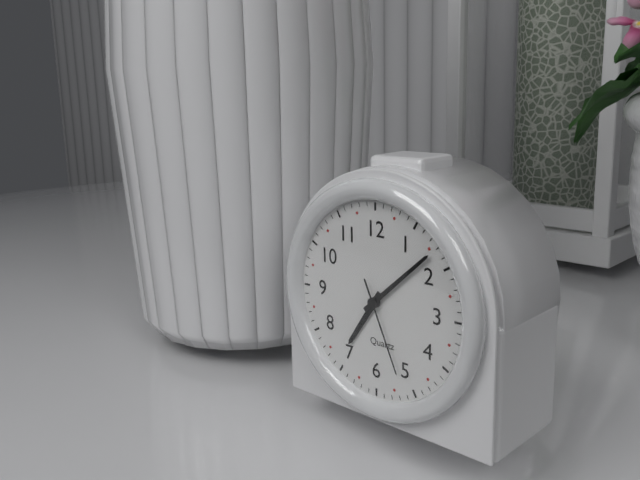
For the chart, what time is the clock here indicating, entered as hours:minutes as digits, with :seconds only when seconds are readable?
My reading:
7:08:26
